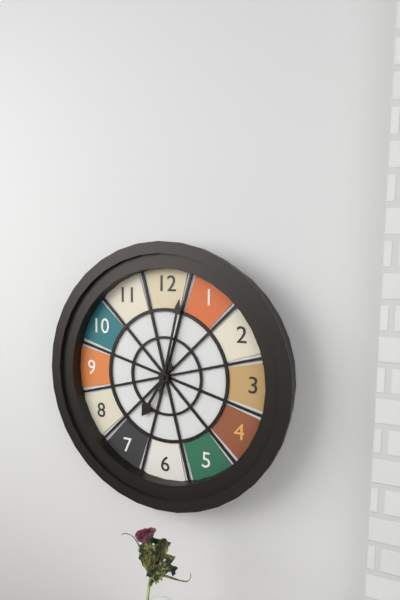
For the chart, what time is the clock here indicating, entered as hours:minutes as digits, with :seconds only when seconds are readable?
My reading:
7:02
